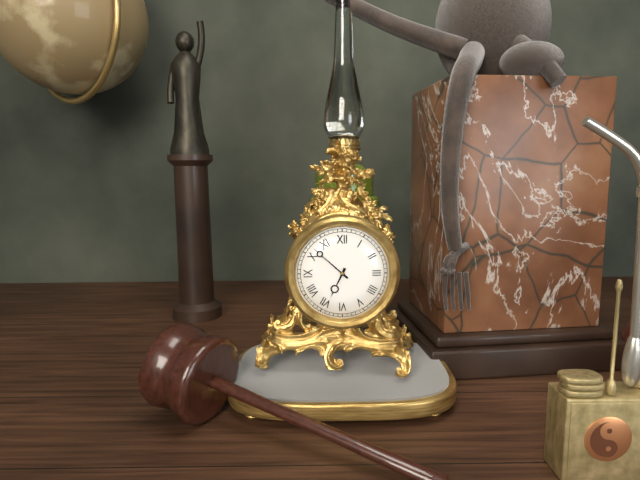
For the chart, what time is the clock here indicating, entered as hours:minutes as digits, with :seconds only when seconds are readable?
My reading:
6:52
